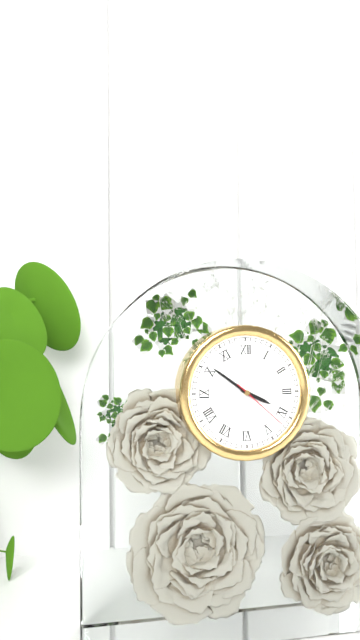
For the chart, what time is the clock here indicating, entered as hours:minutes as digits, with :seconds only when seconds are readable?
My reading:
3:51:22
